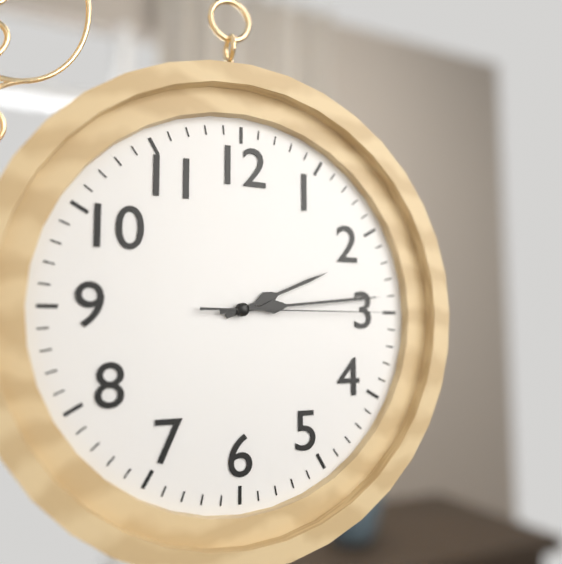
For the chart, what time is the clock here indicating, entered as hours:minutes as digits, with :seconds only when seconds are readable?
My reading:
2:14:15
